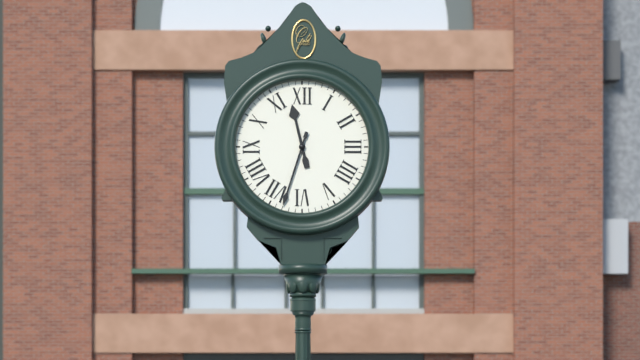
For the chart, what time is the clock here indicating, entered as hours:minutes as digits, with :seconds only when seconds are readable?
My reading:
11:33
